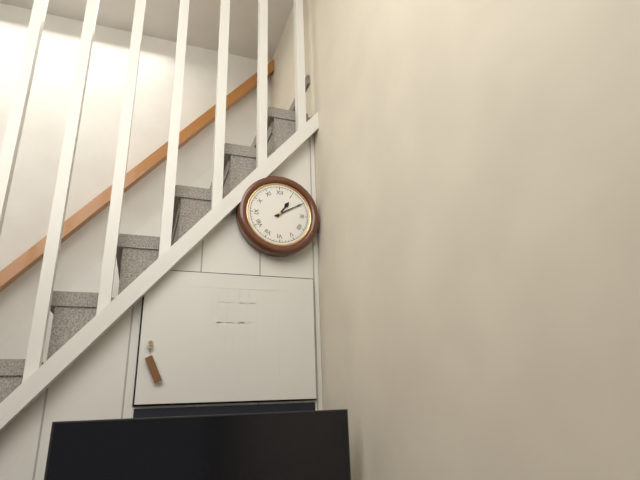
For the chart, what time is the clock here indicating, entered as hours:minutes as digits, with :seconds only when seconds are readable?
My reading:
1:10
